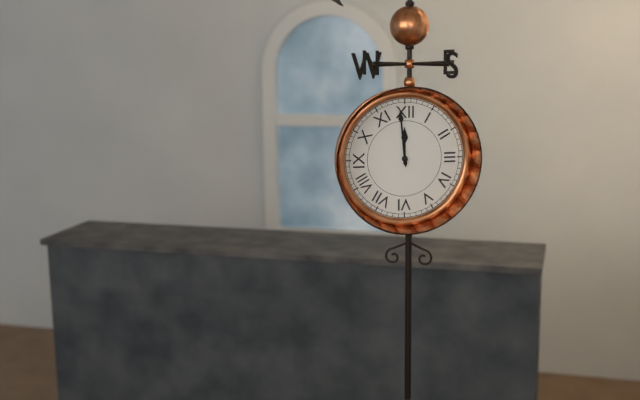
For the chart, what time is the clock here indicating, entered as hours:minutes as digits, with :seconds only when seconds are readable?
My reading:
11:59
